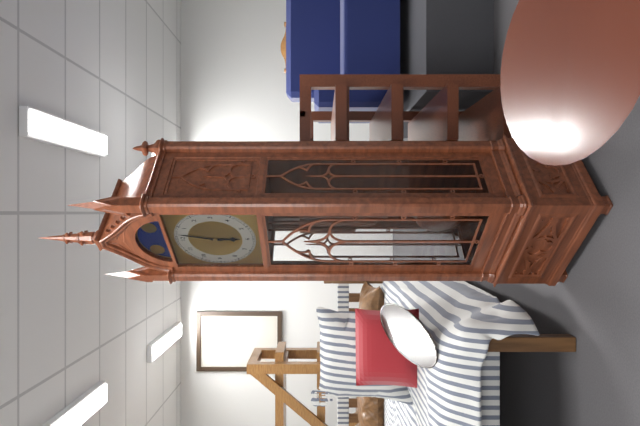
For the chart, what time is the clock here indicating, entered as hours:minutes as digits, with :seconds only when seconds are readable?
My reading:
6:02
